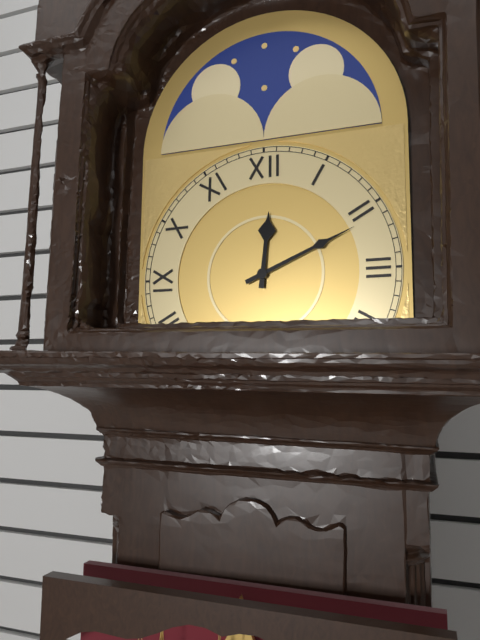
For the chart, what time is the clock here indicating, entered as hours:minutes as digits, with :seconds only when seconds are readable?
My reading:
12:11
